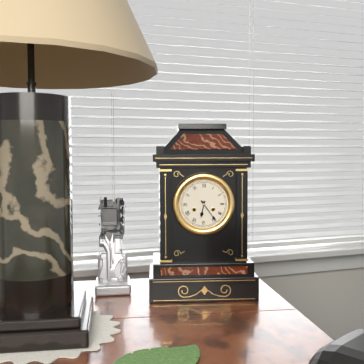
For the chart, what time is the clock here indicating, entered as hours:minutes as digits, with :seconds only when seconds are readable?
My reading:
6:24
